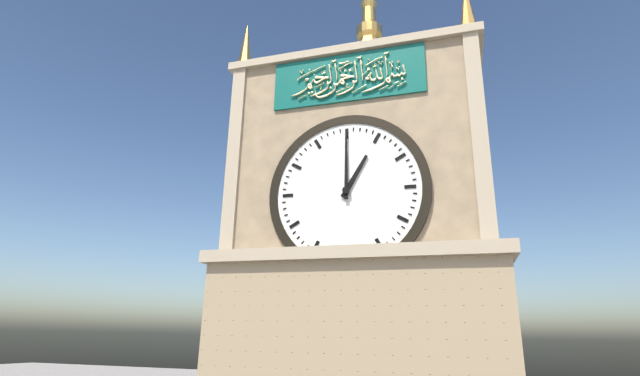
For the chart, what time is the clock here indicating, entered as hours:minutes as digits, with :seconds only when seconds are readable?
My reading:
1:00
